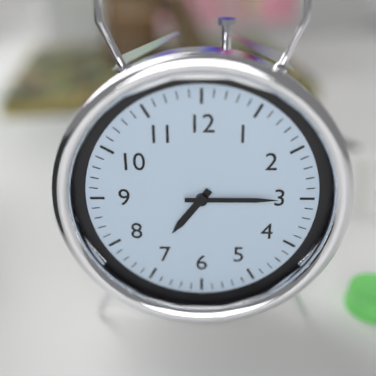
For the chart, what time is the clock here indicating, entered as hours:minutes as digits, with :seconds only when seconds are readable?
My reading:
7:15
